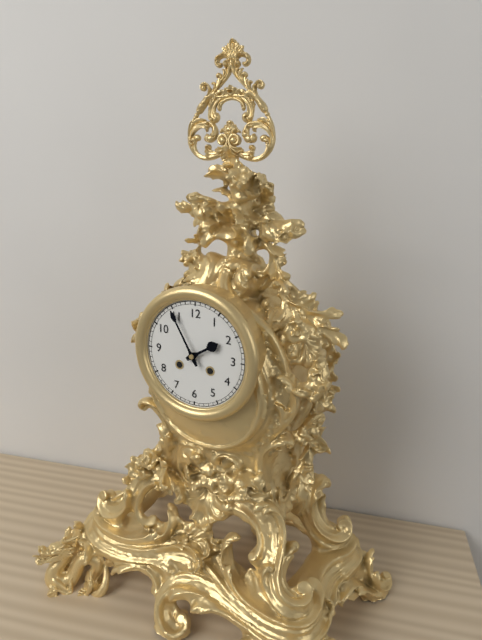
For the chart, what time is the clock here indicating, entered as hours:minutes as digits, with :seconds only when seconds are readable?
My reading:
1:55
